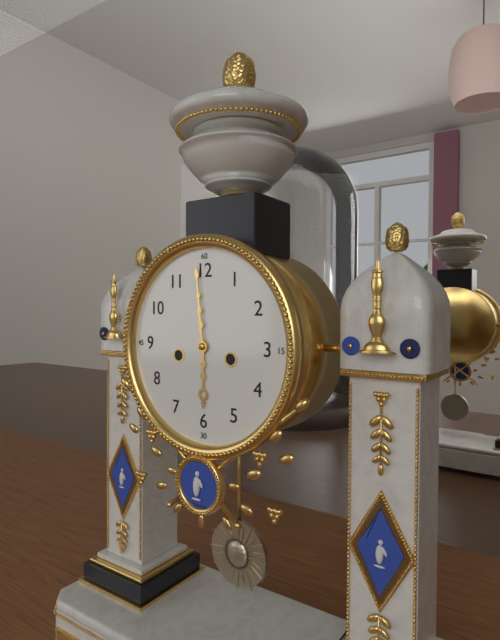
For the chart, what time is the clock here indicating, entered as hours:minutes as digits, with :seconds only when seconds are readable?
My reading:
5:59
